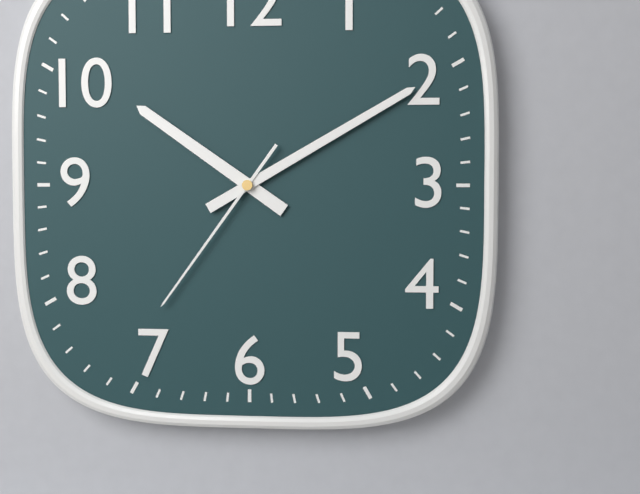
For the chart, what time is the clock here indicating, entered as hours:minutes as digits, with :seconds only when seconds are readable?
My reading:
10:10:36
